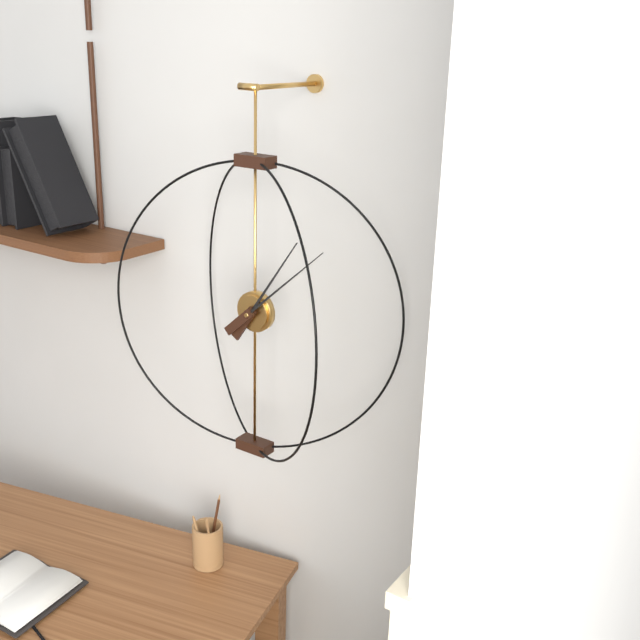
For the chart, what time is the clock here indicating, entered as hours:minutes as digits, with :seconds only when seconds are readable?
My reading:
1:08
